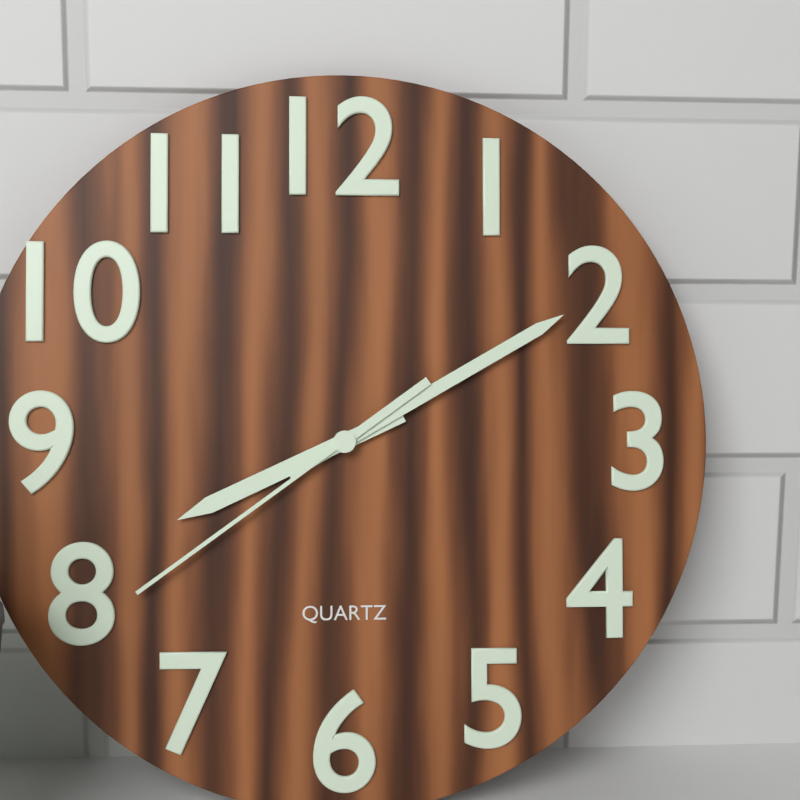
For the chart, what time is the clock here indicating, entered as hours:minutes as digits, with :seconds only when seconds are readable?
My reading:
8:10:39
